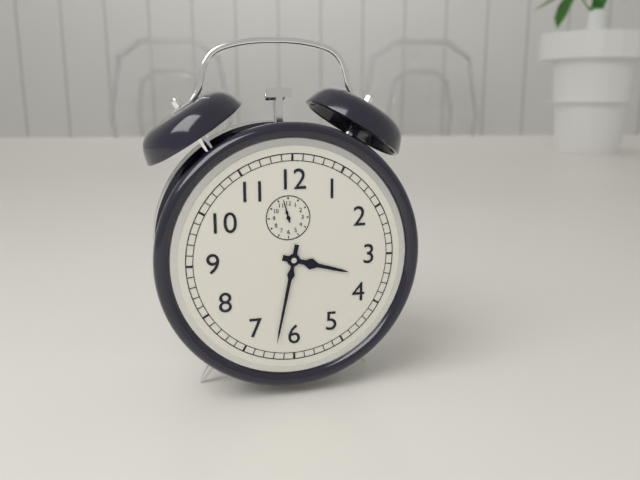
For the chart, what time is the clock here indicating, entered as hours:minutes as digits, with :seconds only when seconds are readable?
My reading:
3:32
